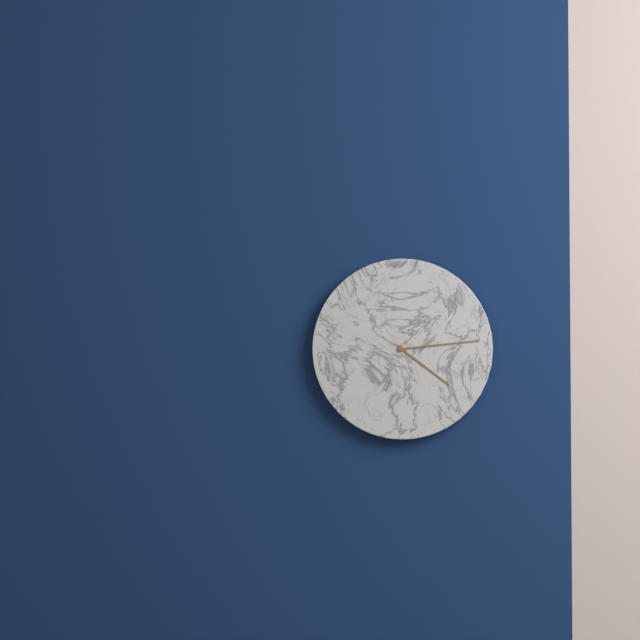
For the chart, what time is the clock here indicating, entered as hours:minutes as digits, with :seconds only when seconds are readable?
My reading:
4:14
